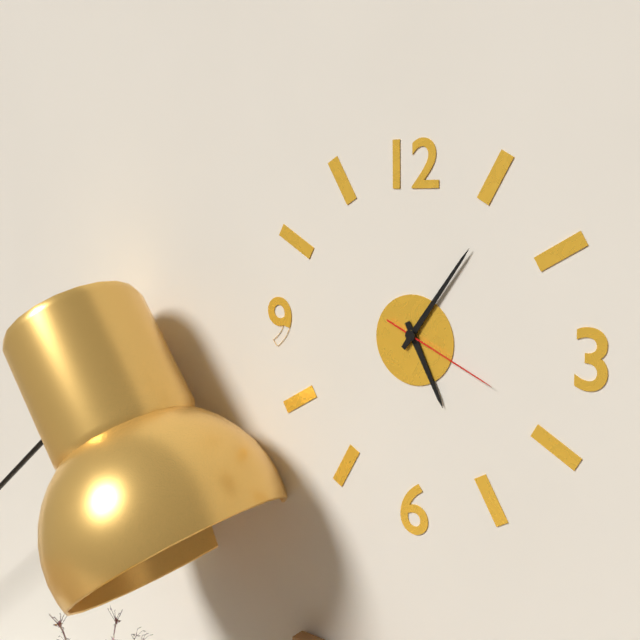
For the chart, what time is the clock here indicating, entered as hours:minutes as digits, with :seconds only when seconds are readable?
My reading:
5:06:19
